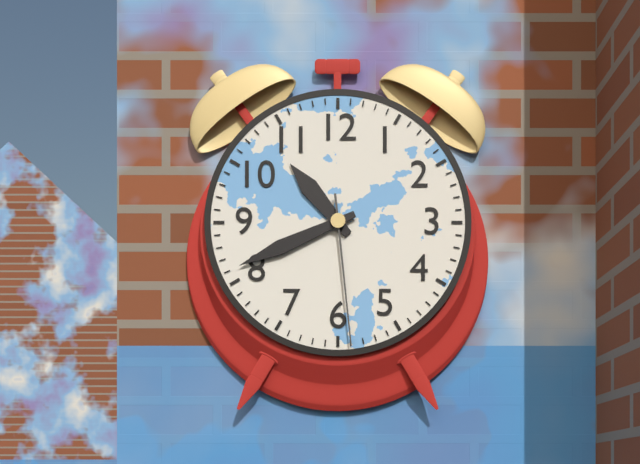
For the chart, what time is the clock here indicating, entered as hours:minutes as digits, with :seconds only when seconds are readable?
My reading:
10:41:29
